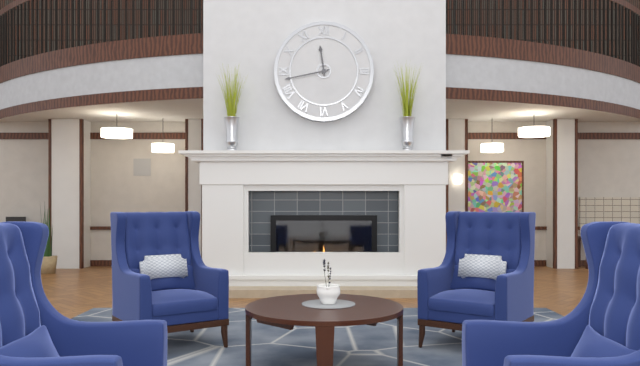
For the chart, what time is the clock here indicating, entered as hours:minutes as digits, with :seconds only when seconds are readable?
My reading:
11:43
